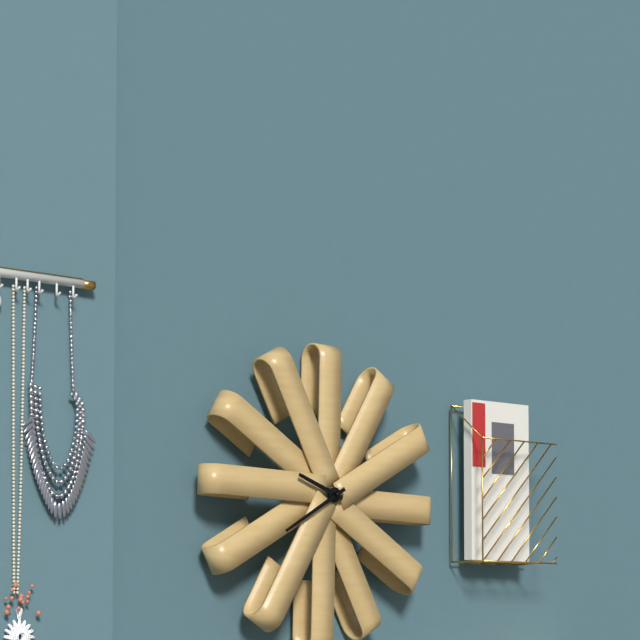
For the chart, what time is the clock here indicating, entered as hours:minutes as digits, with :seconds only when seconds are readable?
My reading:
9:40
